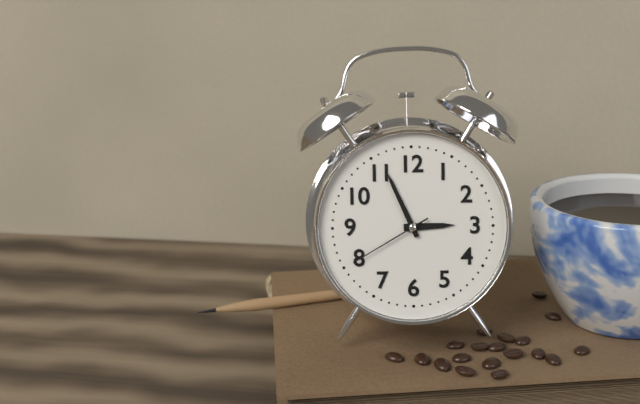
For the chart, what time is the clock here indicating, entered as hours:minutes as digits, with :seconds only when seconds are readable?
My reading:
2:56:40
